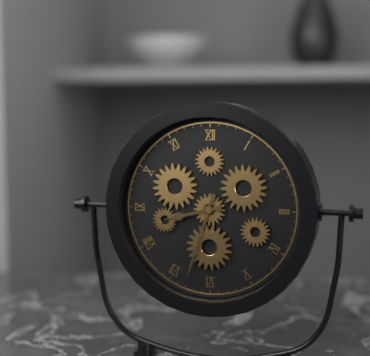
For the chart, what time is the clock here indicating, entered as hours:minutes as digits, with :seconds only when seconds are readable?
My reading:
8:33
